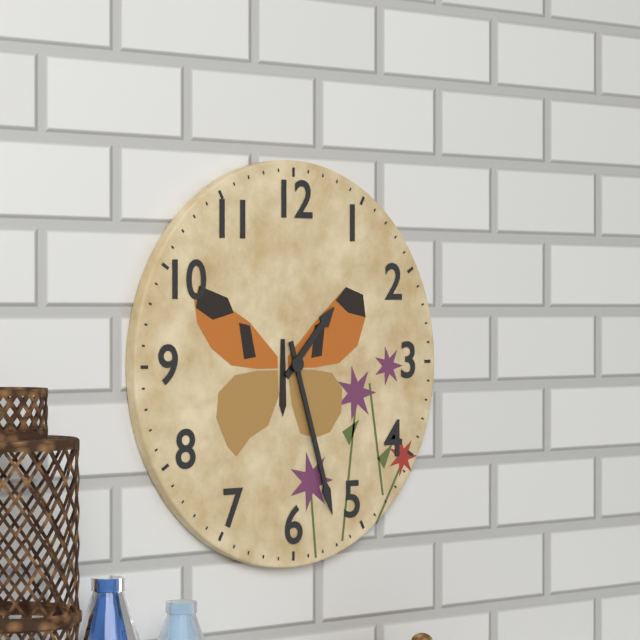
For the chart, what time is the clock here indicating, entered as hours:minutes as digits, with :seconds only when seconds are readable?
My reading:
1:27
